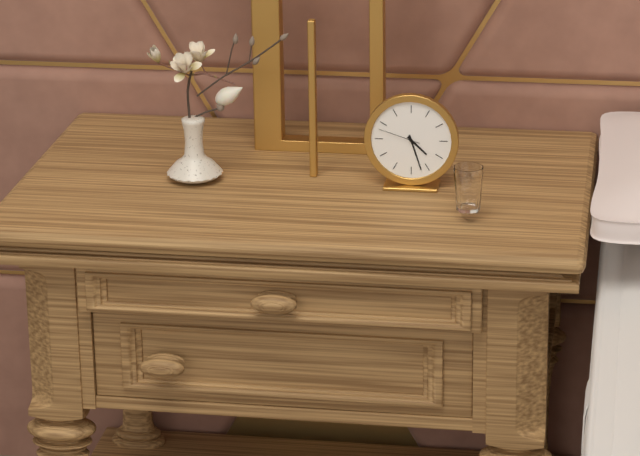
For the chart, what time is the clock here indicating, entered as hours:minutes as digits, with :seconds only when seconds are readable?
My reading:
4:27
